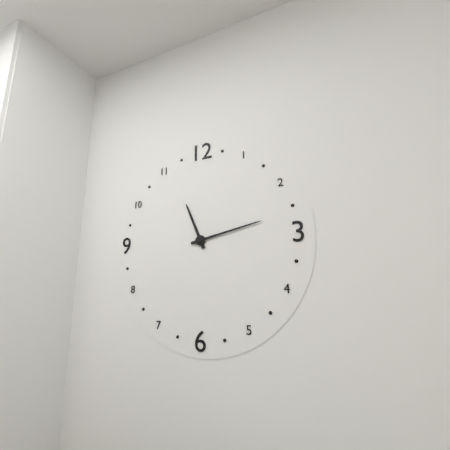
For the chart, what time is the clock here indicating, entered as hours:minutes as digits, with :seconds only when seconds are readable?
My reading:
11:13
